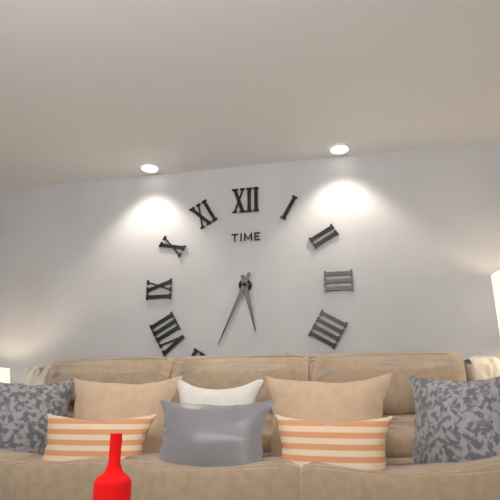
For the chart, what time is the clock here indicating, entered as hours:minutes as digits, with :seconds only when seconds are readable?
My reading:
5:34
